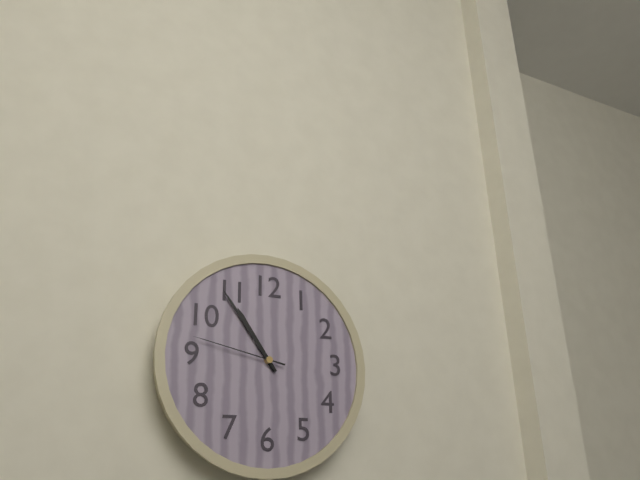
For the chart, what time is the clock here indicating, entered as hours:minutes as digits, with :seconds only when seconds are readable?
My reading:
10:54:47
